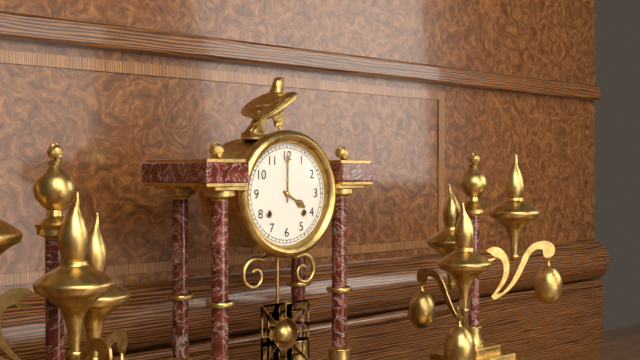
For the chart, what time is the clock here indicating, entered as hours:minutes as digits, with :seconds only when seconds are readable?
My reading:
4:00
